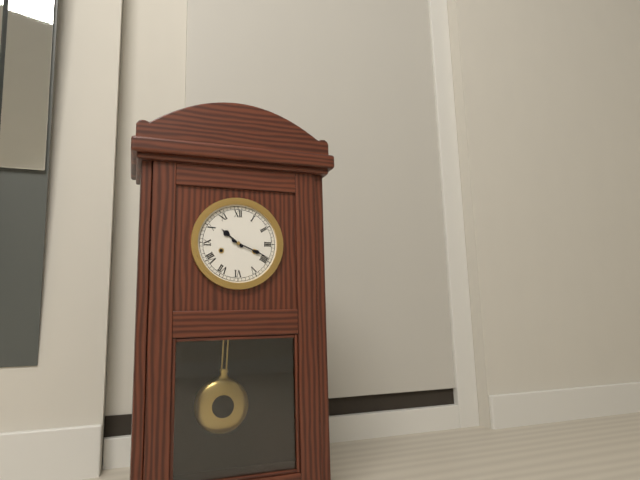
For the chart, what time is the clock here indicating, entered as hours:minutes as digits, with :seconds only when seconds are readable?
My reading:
10:19
